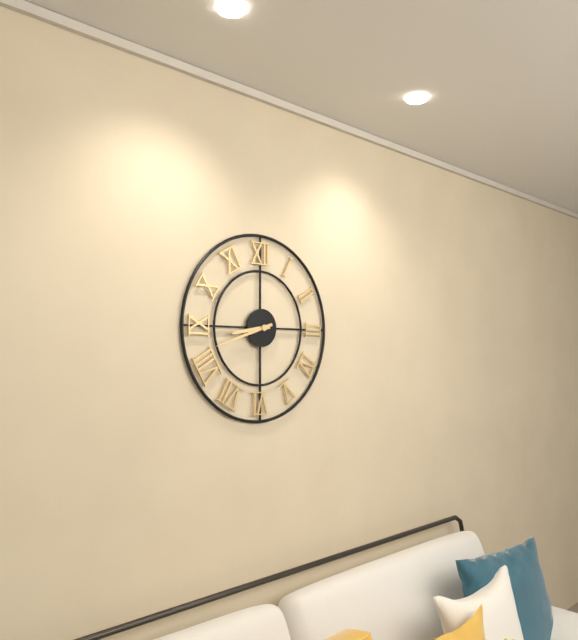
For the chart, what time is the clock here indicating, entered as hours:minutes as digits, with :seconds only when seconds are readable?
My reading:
8:42
